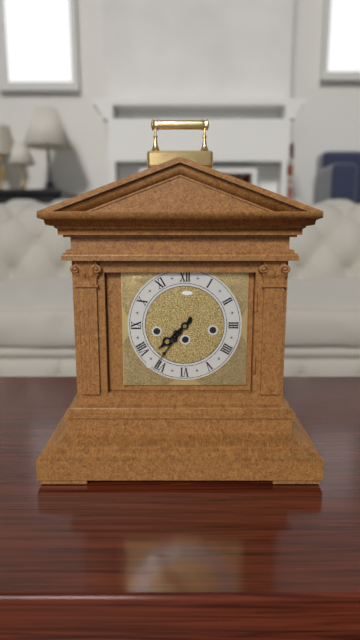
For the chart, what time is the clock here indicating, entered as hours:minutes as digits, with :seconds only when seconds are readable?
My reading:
7:36
